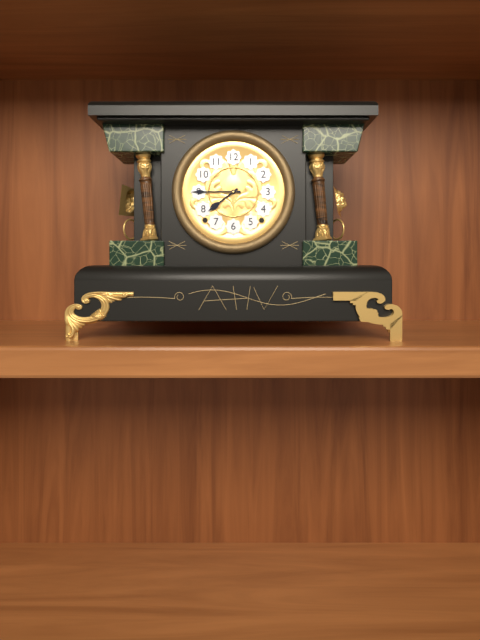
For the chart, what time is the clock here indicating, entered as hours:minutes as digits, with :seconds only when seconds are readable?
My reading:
7:45
